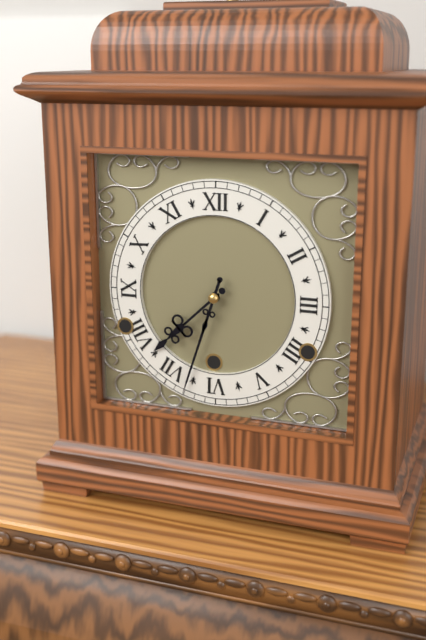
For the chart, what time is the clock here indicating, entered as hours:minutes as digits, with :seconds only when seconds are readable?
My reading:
7:33
